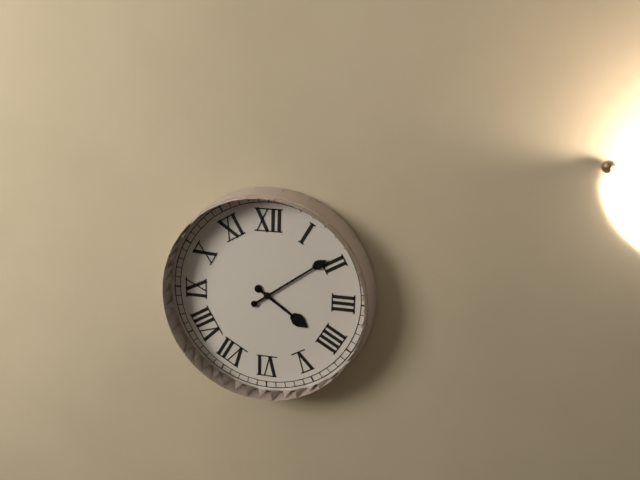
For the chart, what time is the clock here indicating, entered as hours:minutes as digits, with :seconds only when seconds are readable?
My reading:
4:09
